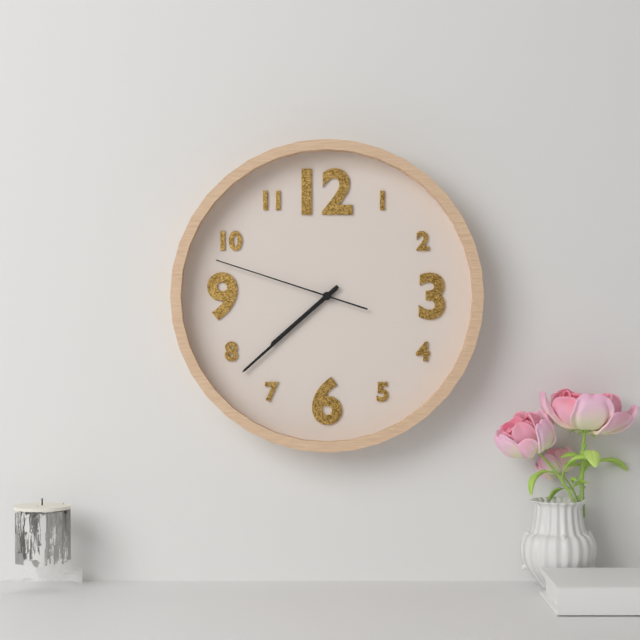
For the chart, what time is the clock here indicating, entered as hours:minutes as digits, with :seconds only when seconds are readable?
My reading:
7:38:48
